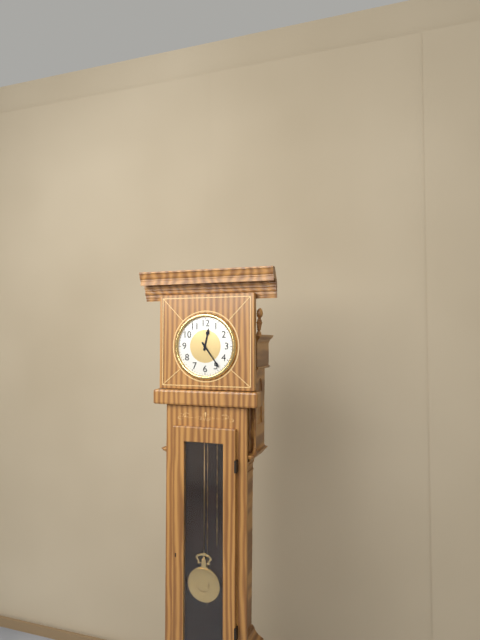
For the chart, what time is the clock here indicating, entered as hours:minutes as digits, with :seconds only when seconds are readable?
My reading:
12:24
